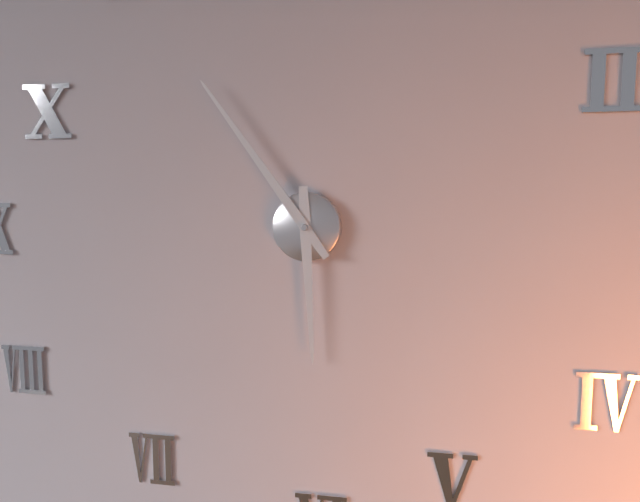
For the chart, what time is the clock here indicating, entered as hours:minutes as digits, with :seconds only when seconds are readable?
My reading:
5:54
